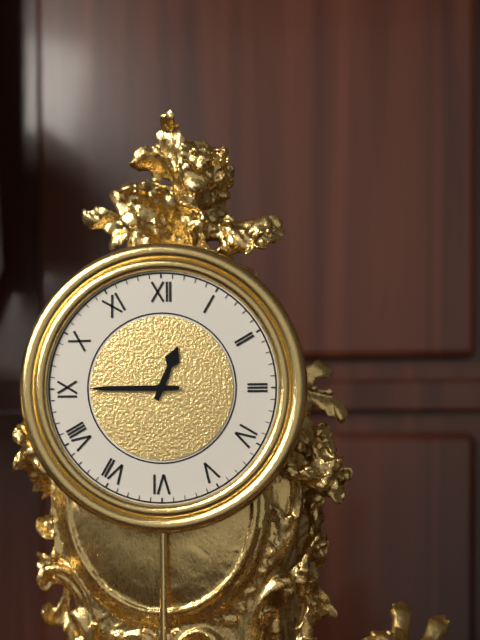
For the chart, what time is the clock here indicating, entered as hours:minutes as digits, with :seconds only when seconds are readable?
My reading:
12:45
